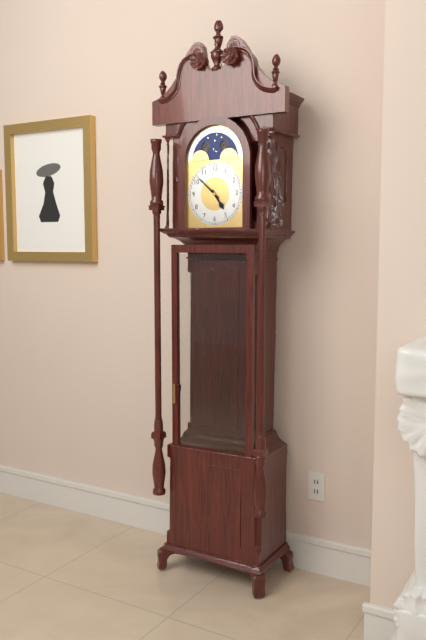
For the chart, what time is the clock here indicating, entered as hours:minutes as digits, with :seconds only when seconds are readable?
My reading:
4:52
